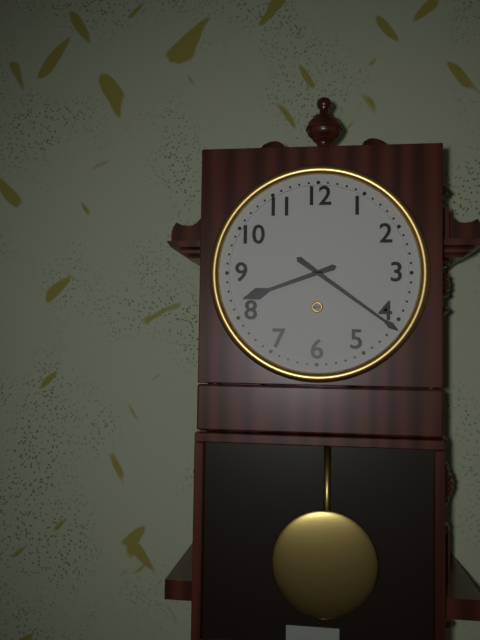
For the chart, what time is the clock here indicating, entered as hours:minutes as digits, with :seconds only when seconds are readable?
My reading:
8:21
